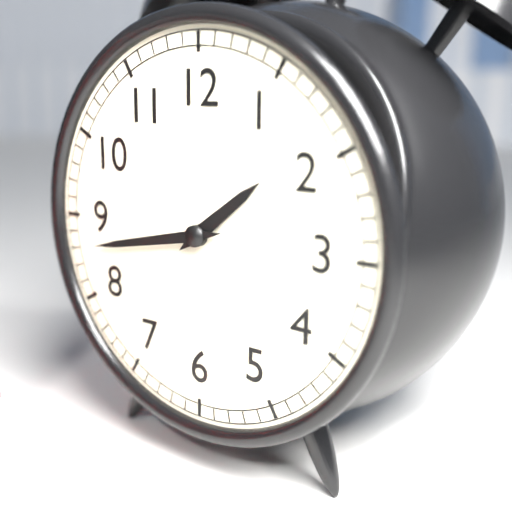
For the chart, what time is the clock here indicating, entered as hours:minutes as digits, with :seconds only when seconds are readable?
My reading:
1:43
